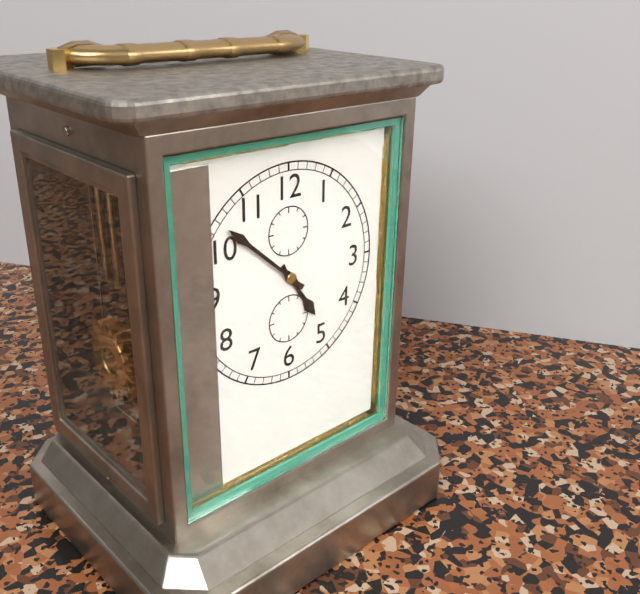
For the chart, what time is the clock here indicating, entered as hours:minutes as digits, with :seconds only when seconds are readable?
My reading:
4:52
